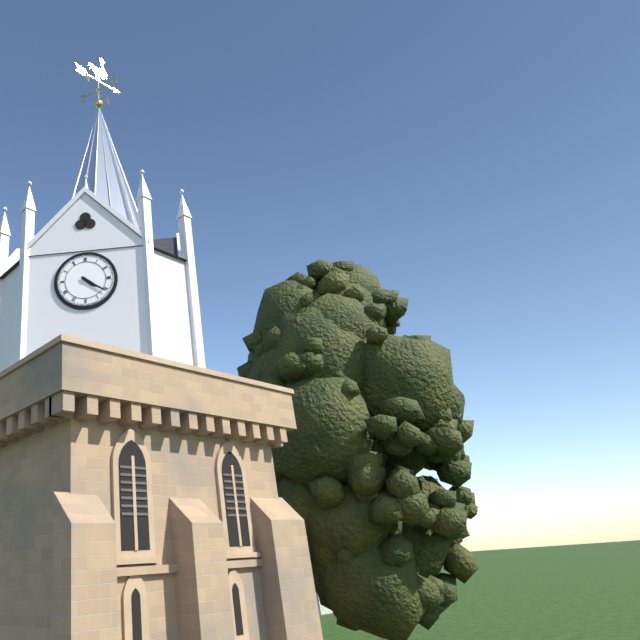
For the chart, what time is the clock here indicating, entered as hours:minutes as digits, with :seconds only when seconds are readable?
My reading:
4:21
